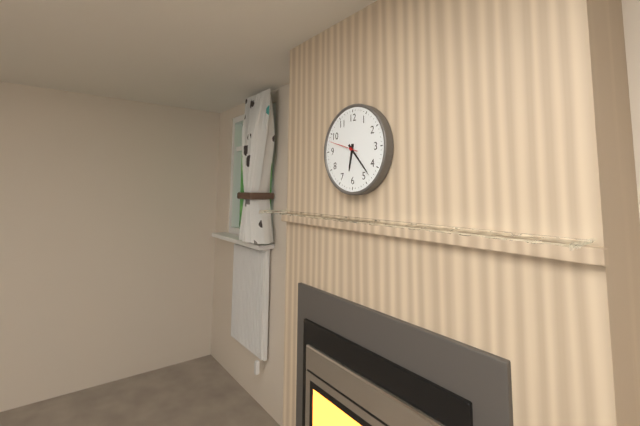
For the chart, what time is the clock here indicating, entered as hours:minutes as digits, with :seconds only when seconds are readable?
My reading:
6:23
